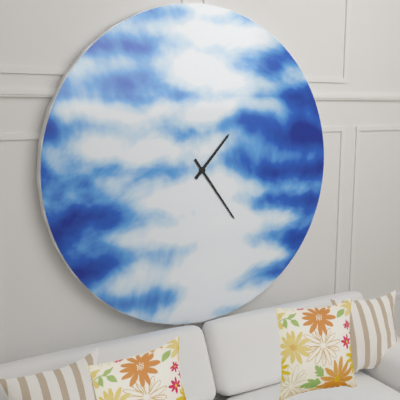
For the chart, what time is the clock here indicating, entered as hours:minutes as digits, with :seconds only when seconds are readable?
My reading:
1:24
